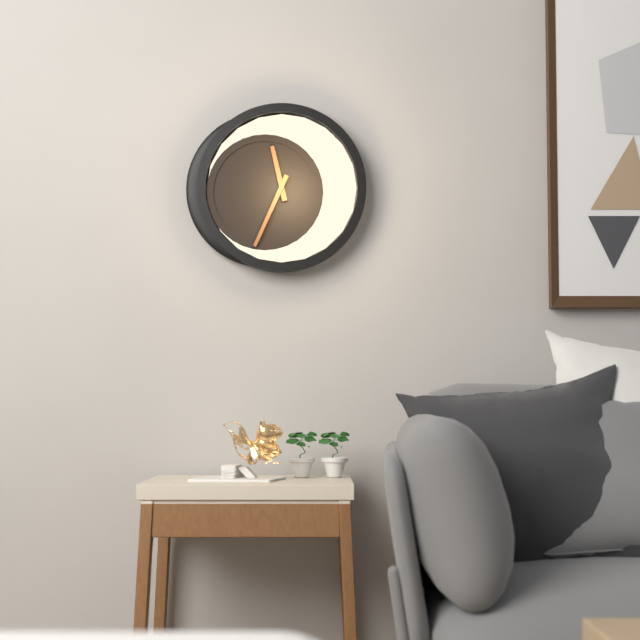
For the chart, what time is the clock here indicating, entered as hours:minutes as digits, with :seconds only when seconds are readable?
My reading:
11:34
